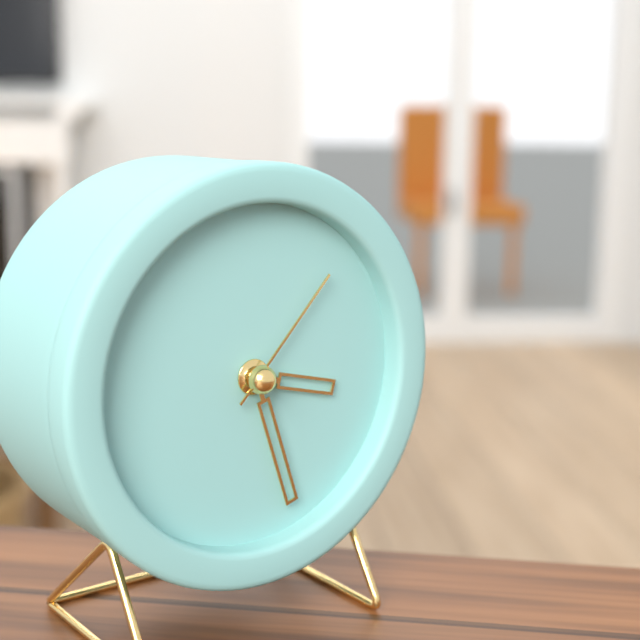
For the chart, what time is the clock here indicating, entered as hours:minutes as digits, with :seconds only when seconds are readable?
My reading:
3:27:07
